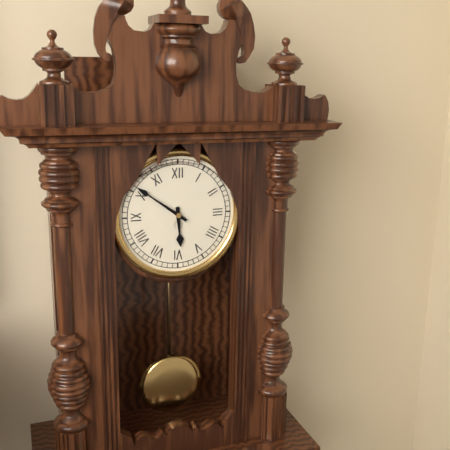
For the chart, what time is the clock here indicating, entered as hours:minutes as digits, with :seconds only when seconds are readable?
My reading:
5:51
